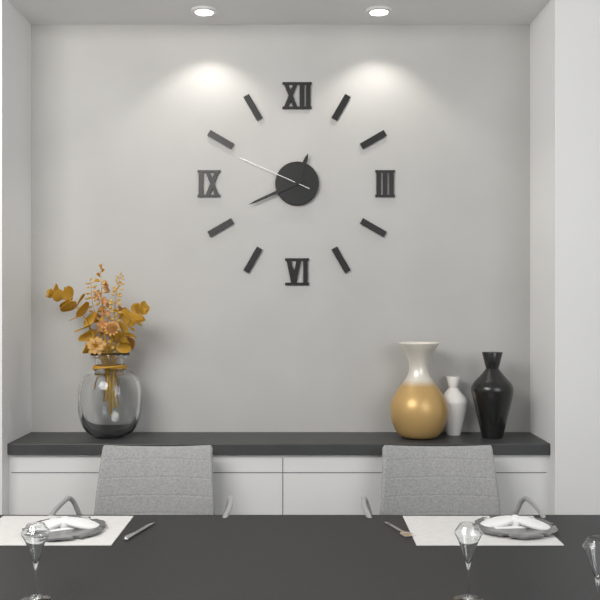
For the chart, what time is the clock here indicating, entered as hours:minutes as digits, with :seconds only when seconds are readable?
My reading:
12:41:49
